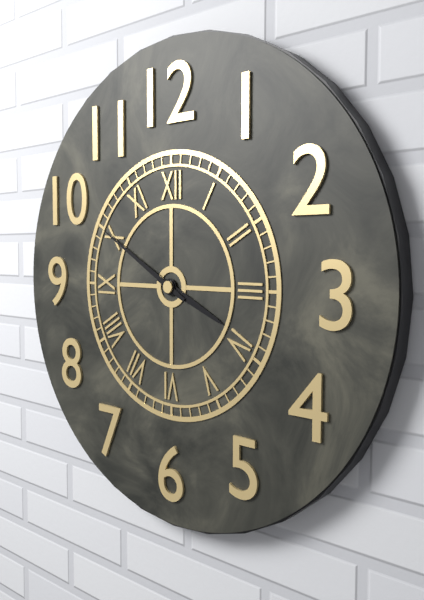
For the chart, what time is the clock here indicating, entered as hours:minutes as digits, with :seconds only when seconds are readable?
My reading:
3:50
